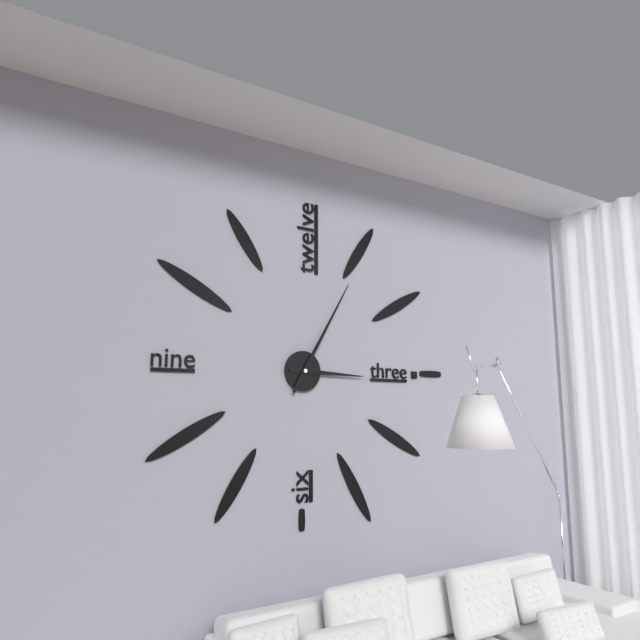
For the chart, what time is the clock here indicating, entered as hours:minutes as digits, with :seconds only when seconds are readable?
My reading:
3:05
